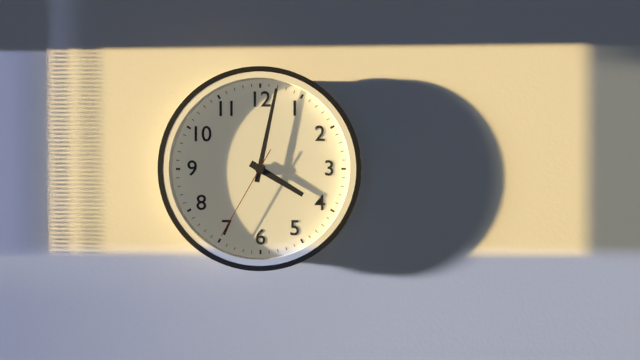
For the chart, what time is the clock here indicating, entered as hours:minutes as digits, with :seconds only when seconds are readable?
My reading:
4:02:35
